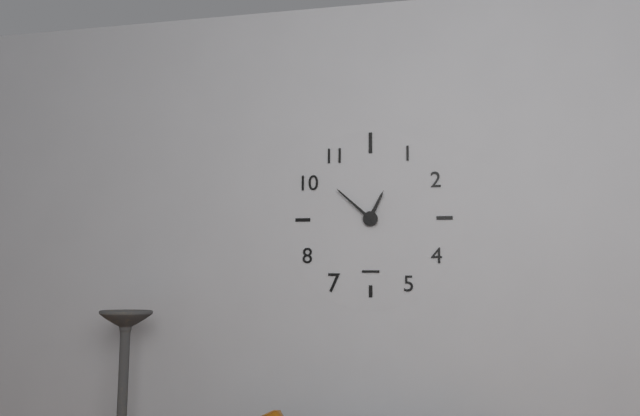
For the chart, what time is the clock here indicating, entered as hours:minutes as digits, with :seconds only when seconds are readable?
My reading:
12:52
